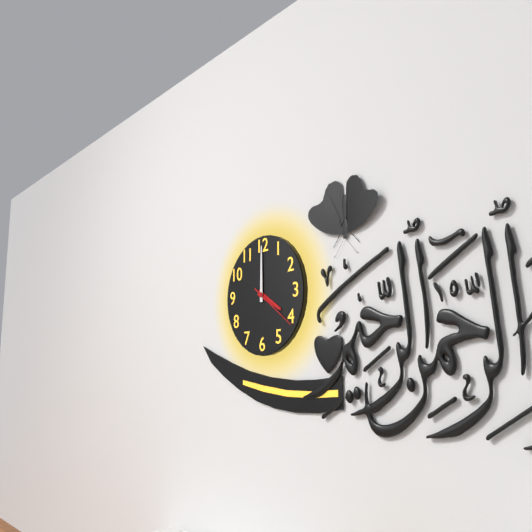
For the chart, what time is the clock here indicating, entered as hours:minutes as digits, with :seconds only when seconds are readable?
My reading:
4:00:21
